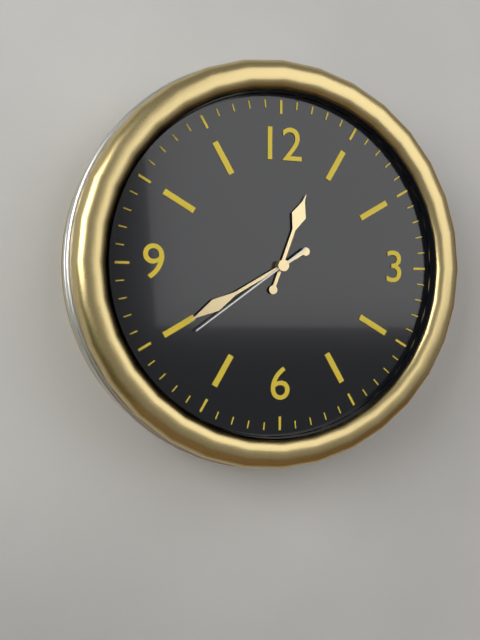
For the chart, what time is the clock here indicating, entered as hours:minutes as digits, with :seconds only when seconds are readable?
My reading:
12:40:39
